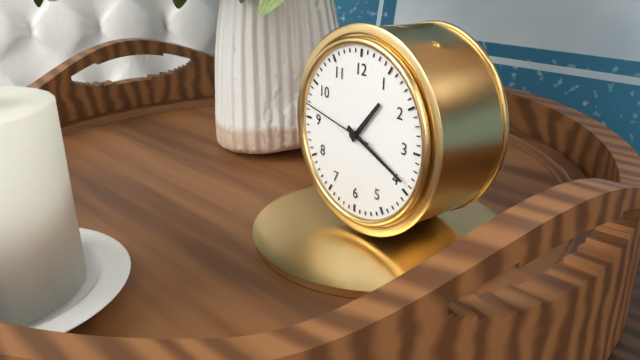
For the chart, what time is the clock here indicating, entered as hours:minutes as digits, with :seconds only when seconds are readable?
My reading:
1:19:47
